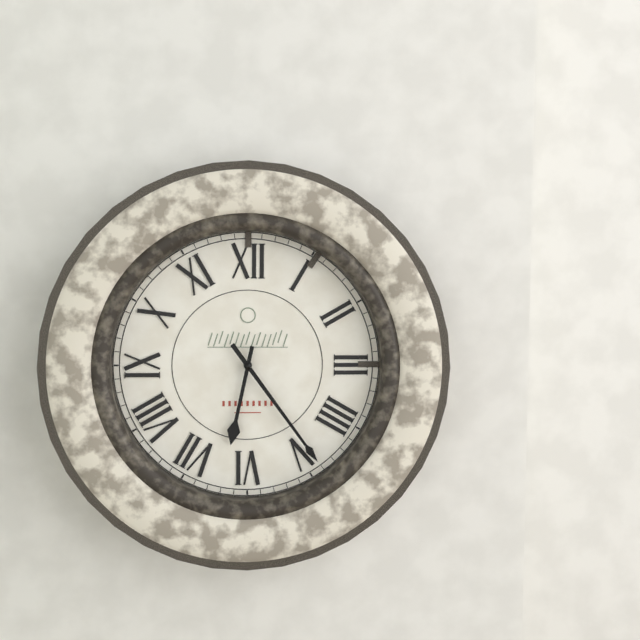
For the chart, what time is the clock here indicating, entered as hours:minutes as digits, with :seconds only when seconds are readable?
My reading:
6:24
